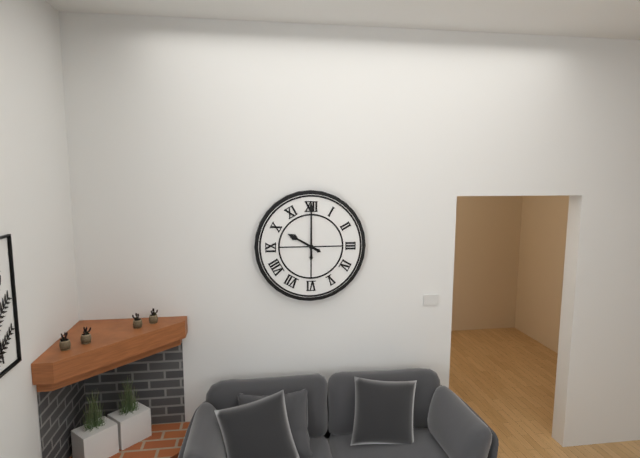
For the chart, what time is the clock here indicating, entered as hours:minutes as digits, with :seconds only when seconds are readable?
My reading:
10:00
